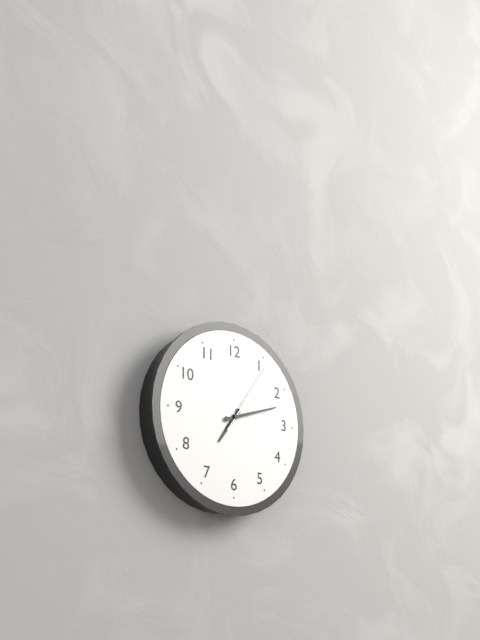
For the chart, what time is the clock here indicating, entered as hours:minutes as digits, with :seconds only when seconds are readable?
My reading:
7:12:06
